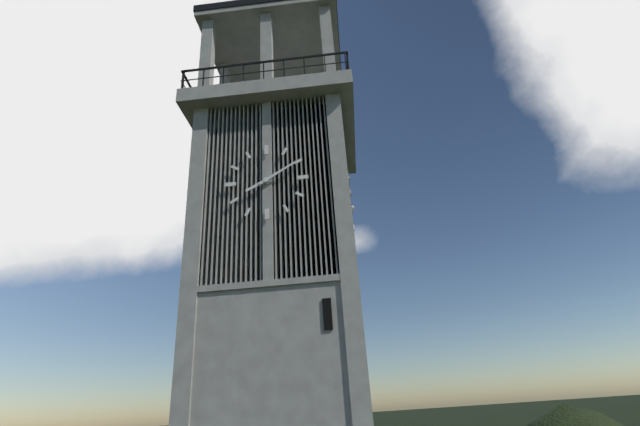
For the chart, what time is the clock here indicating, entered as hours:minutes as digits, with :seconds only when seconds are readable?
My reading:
8:10
